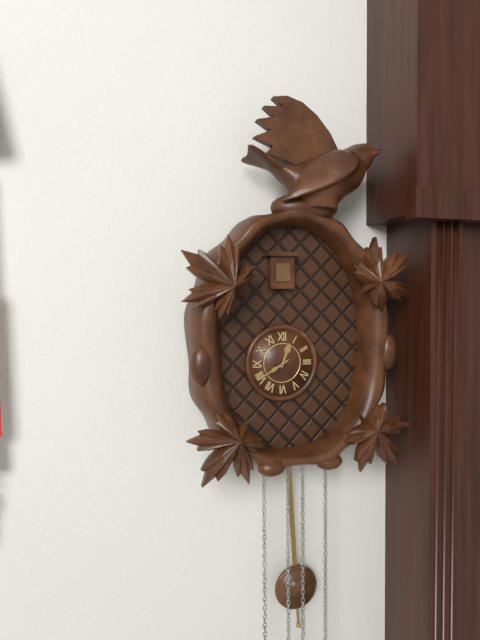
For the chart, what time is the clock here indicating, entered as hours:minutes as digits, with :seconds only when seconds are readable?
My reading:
12:40
